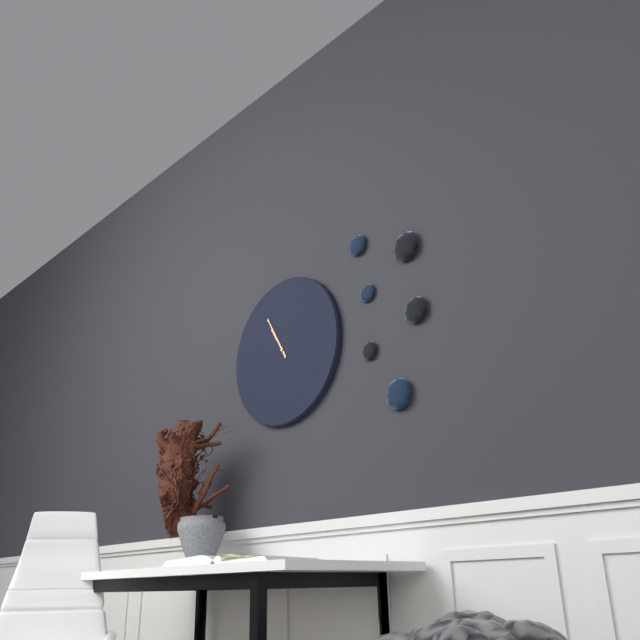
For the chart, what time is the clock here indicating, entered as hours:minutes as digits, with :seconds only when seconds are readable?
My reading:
10:55
